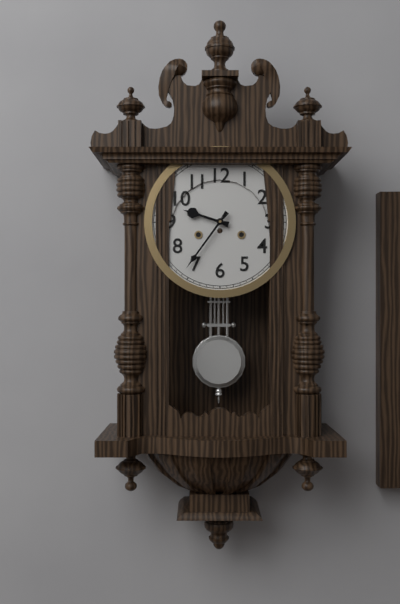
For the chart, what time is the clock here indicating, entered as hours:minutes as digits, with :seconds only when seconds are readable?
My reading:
9:36
